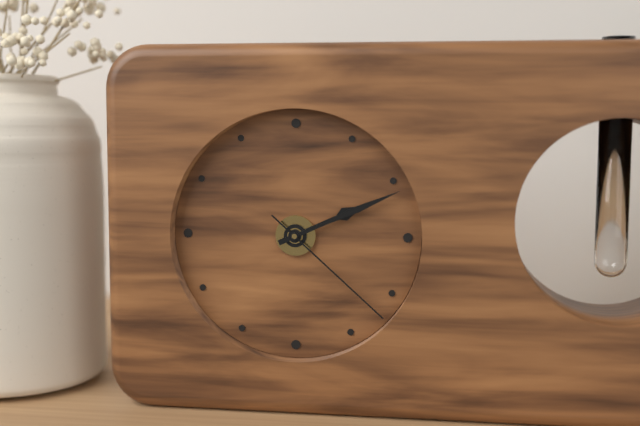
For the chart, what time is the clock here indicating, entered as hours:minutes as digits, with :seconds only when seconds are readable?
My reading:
2:11:22
